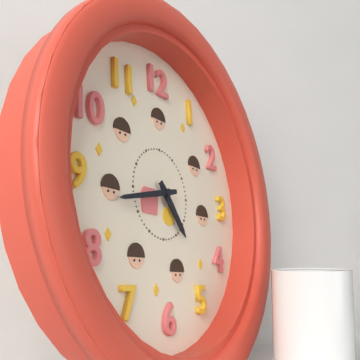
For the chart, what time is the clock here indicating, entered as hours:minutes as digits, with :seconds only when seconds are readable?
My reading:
4:43
